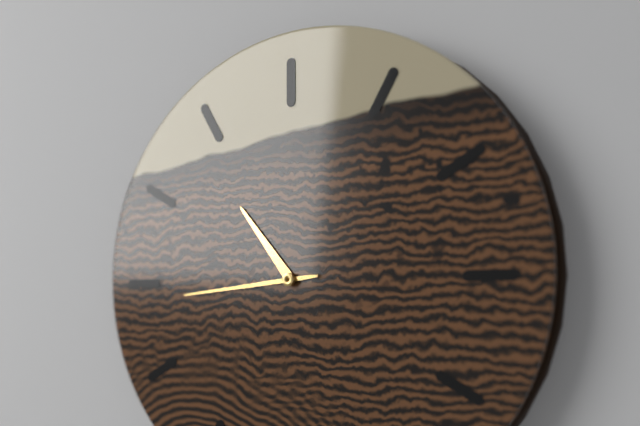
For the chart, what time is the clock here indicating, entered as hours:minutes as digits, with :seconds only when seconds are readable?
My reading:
10:44
